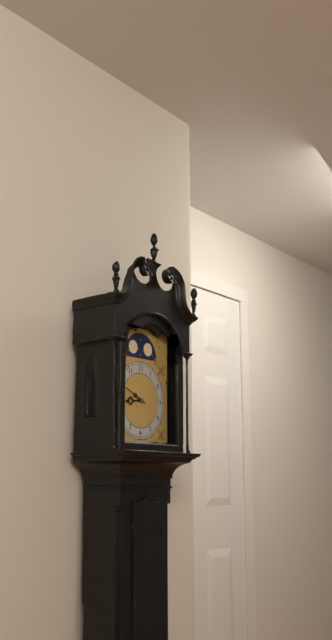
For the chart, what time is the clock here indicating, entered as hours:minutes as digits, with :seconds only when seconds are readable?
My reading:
8:49
